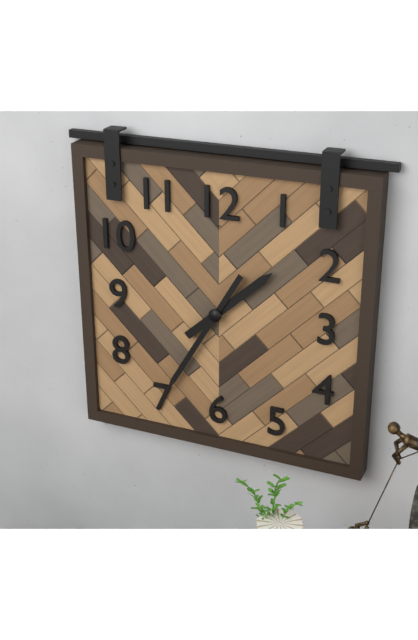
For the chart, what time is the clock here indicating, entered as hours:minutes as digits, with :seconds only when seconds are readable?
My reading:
1:35
